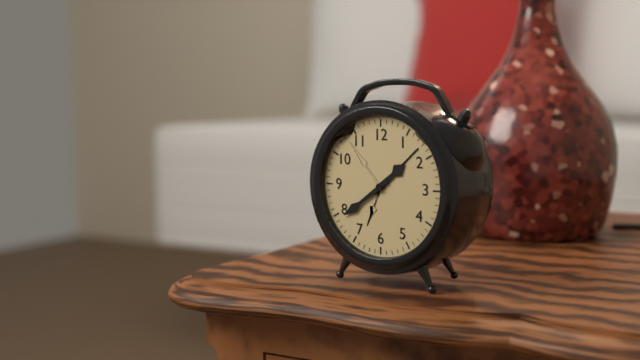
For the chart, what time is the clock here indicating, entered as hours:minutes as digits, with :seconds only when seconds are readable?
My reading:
1:39
